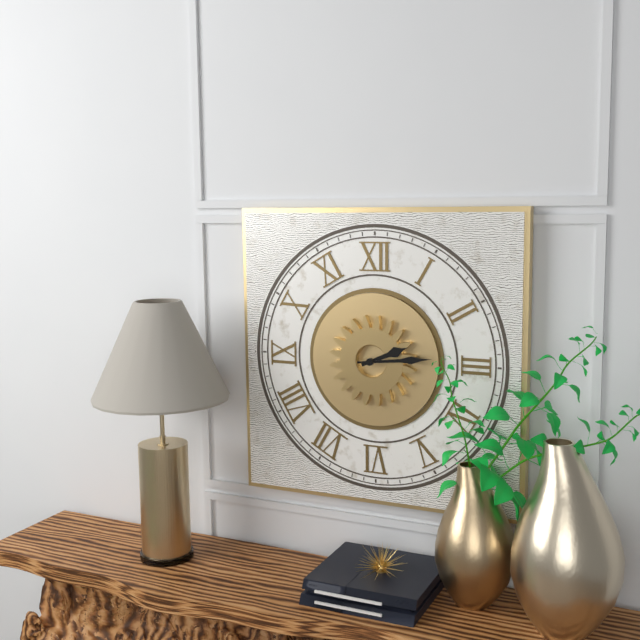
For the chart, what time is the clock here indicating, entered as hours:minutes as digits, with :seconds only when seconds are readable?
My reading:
2:14
